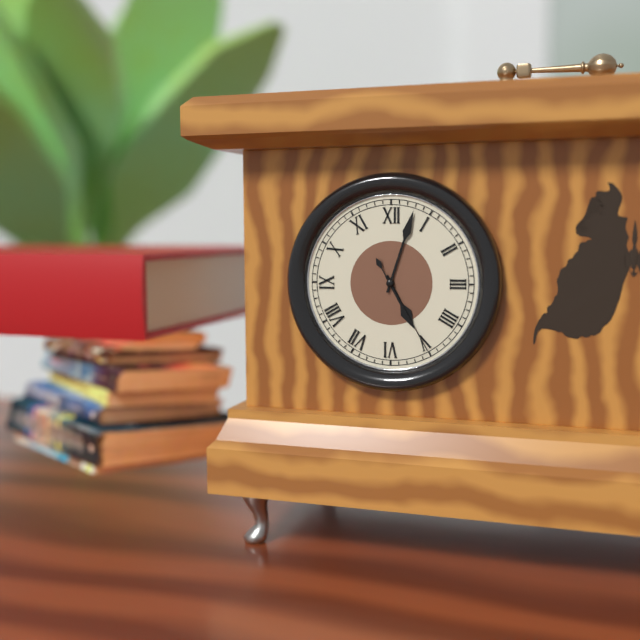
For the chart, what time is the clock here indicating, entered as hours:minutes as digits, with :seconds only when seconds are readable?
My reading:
5:03:25
